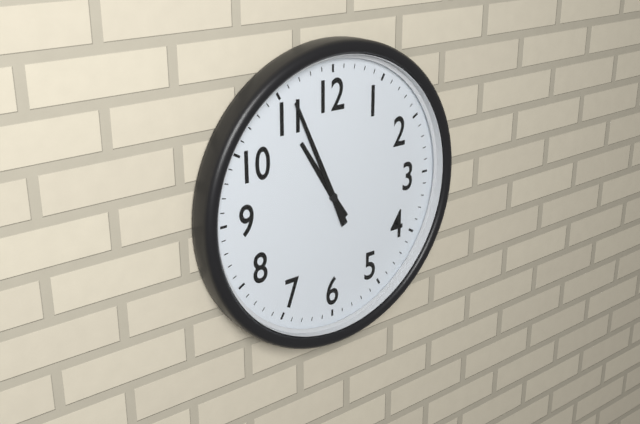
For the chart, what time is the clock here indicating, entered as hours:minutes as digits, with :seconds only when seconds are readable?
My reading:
10:56
